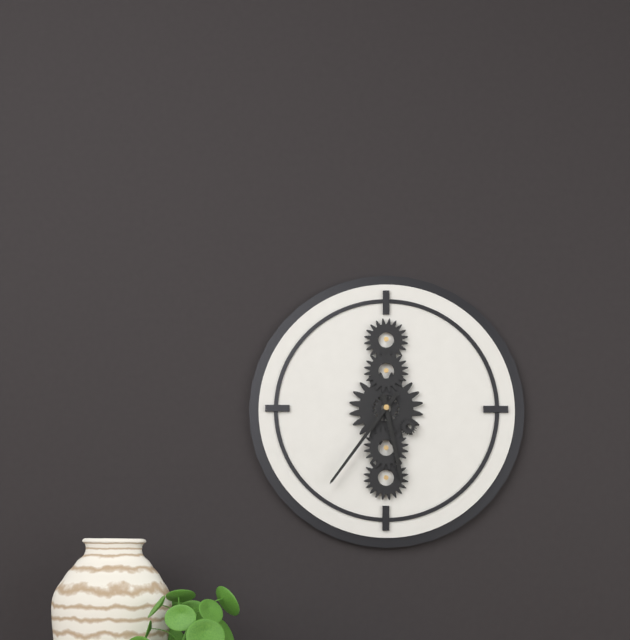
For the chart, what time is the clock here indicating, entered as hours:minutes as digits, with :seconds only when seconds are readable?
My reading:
5:36
